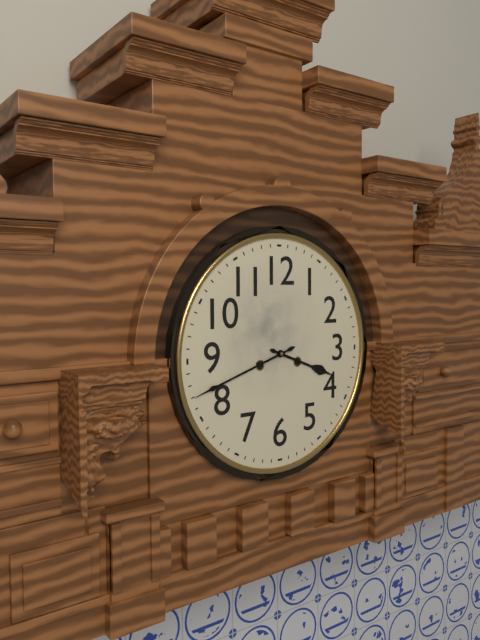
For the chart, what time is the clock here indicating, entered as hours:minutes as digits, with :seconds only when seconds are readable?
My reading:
3:42
